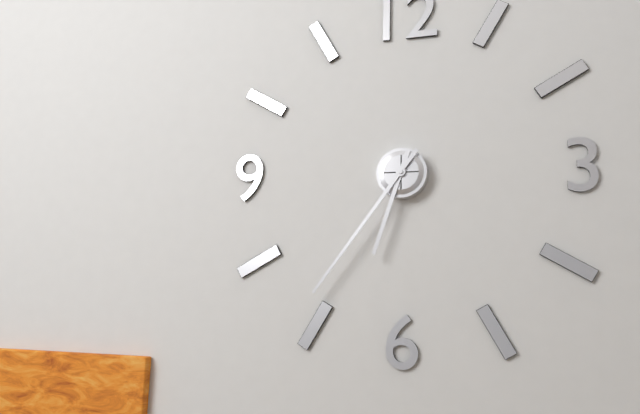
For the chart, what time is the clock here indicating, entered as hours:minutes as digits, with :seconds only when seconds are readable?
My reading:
6:36
